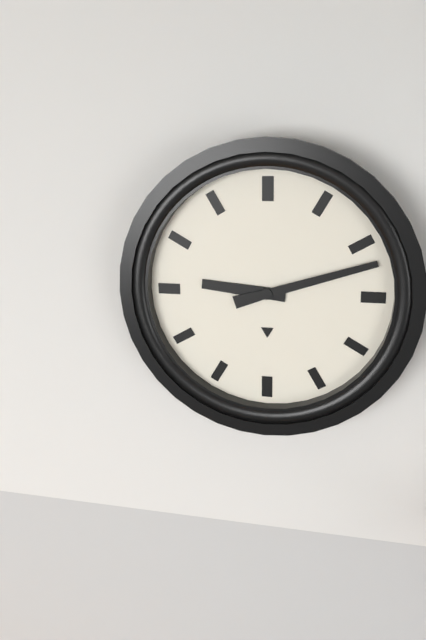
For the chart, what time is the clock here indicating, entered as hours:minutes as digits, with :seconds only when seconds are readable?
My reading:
9:12
